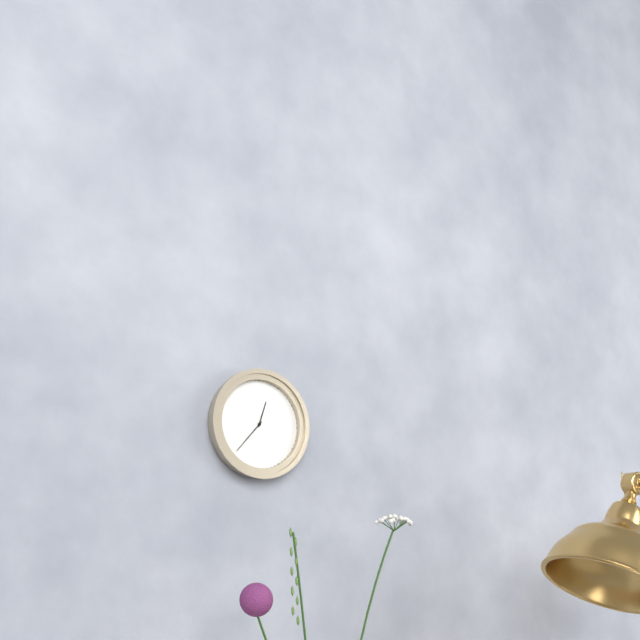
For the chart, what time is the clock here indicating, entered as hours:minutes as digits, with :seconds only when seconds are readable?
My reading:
12:37
